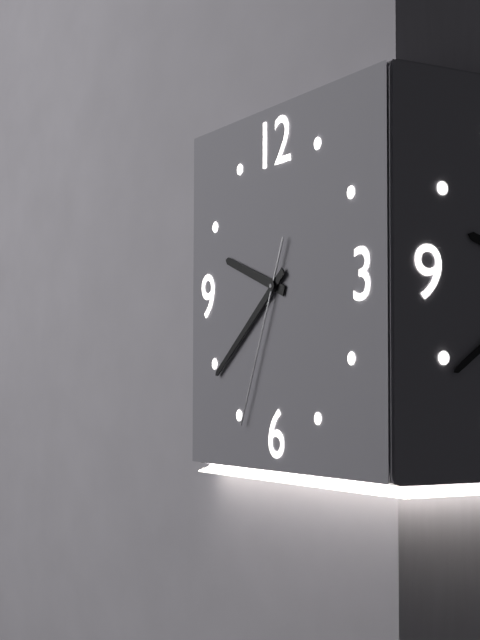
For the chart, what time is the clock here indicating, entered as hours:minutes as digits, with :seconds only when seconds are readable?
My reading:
9:39:34
